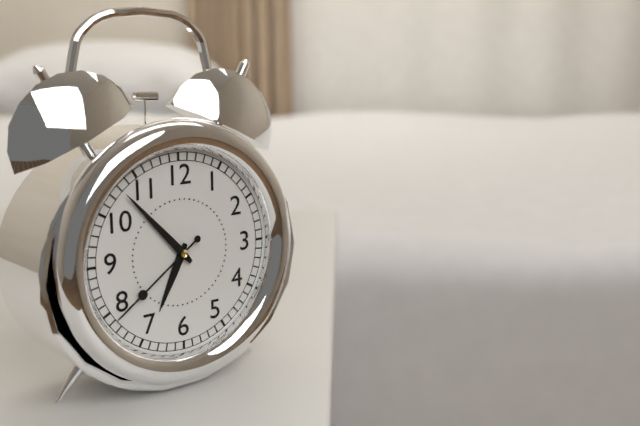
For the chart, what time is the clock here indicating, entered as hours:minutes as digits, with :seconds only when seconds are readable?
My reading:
6:53:39
